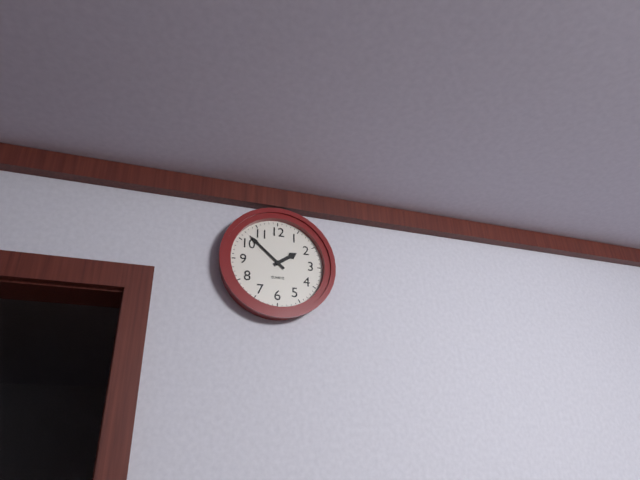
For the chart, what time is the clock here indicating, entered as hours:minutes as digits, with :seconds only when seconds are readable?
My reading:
1:52
